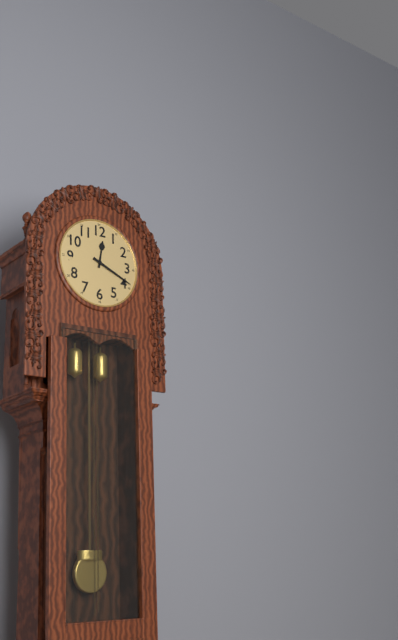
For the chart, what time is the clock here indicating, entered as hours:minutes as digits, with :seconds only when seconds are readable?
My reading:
12:19
